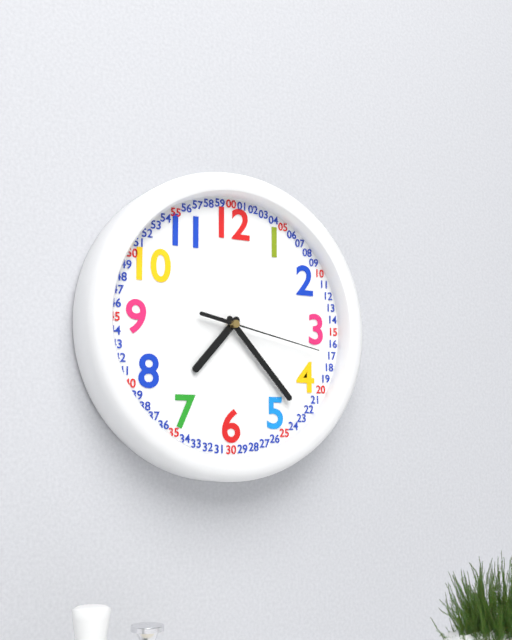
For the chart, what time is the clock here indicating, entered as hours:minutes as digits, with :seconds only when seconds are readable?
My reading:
7:23:17
